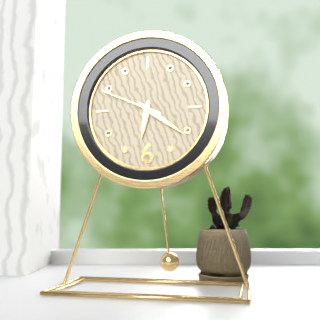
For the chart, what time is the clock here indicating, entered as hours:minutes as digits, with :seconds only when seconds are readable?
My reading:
6:21:49
